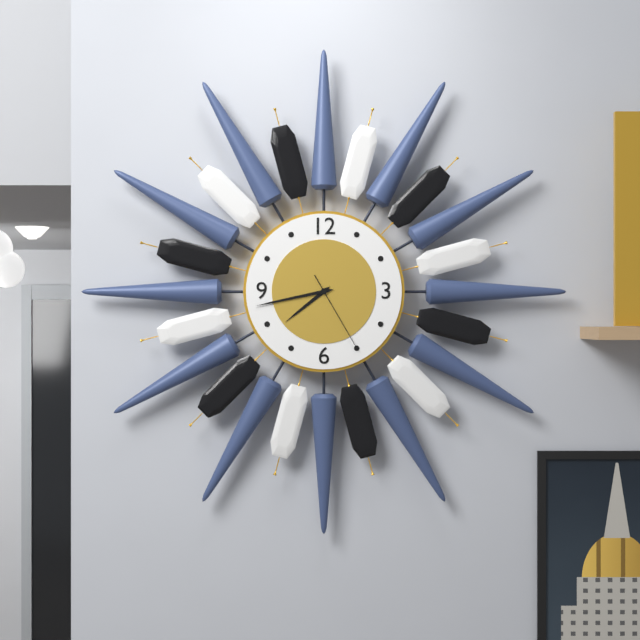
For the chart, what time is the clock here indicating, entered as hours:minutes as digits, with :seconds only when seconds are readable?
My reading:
7:43:25
